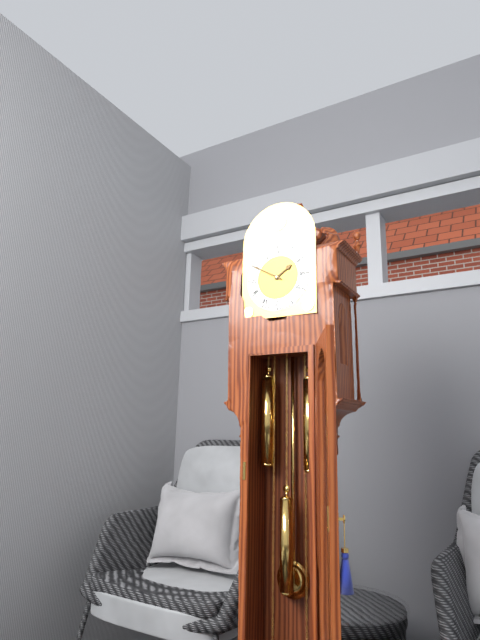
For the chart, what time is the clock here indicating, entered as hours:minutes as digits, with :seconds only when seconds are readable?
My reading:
1:50
